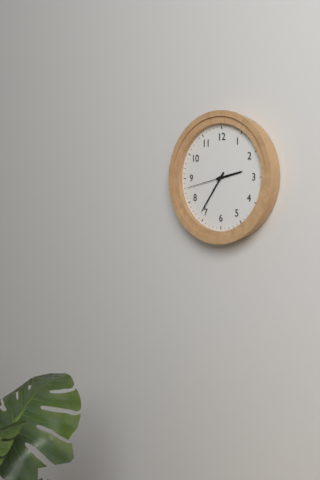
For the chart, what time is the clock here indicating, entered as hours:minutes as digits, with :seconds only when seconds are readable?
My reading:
2:36
